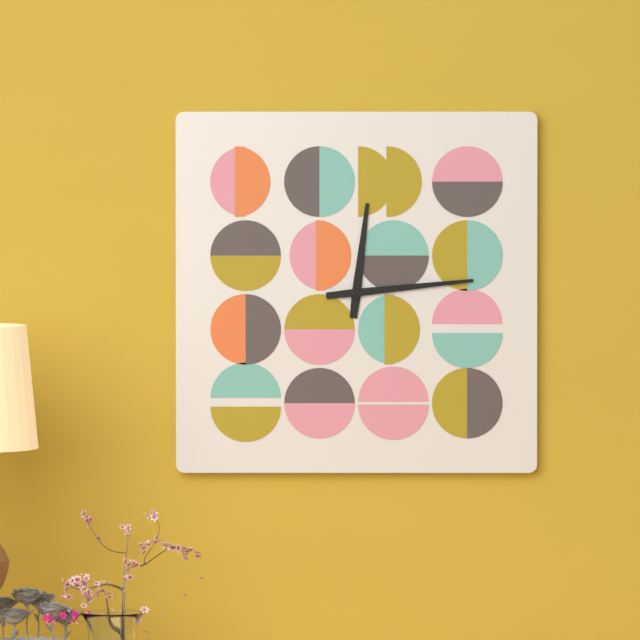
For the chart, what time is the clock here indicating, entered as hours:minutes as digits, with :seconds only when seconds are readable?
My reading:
12:14
